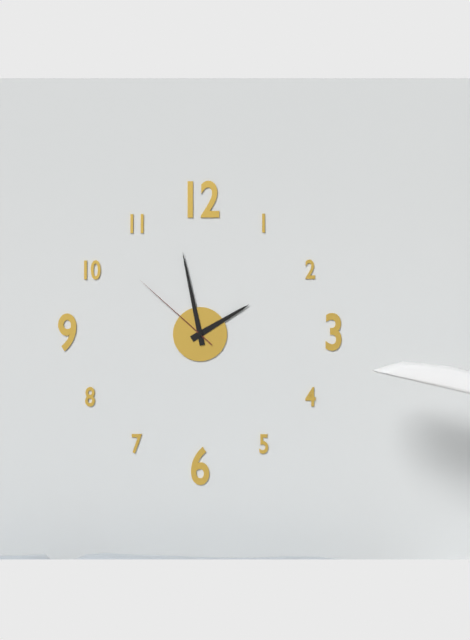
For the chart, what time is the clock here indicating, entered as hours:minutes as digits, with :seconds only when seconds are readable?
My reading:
1:58:52
